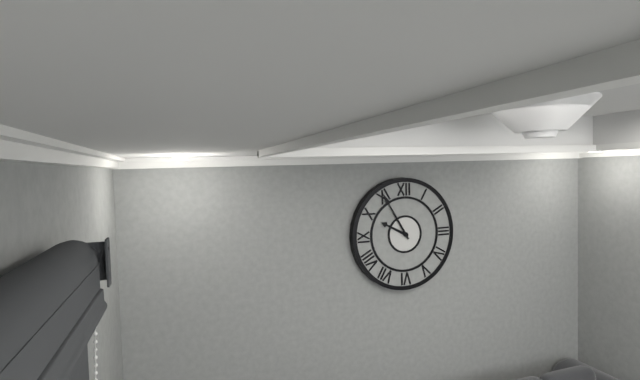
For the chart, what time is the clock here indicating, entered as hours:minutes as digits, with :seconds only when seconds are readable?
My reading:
9:55
